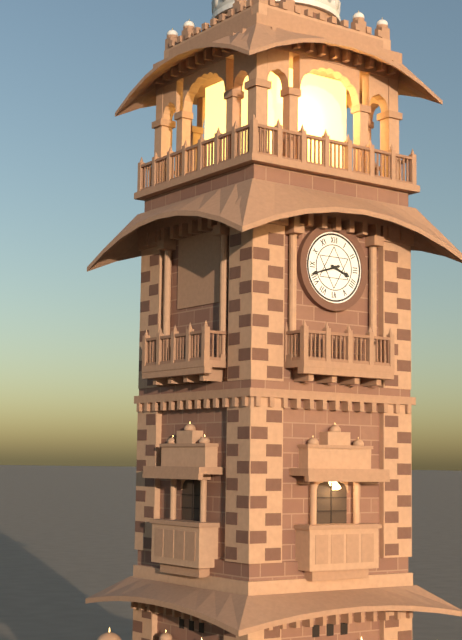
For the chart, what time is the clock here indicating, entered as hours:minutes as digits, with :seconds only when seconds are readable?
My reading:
3:42
